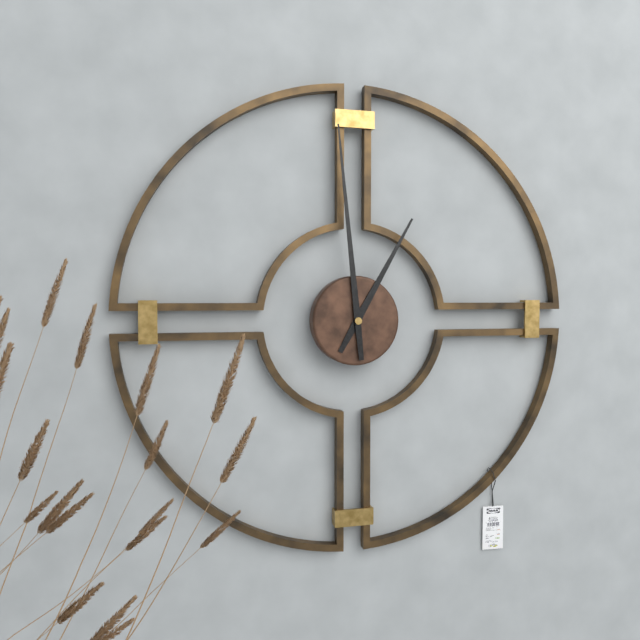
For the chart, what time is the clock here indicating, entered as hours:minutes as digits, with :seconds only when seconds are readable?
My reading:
12:59
